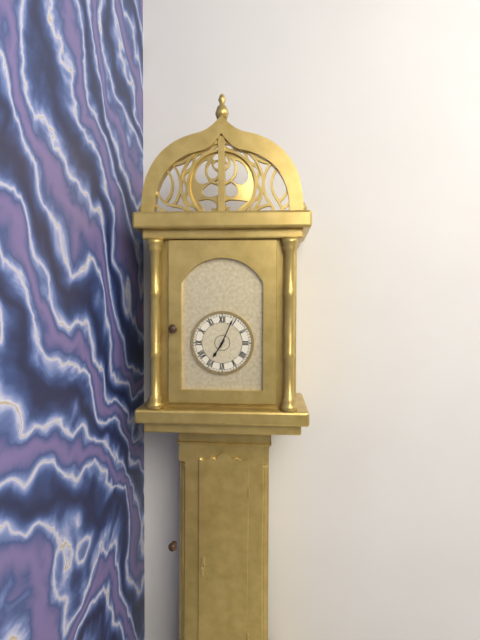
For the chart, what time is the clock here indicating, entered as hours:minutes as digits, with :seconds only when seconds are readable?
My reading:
7:04
